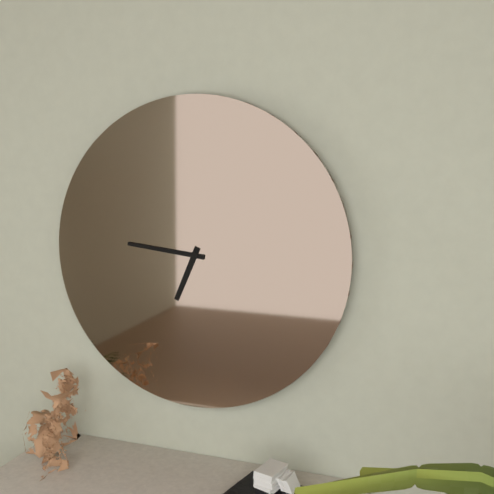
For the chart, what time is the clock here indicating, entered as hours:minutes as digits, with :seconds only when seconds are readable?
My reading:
6:46
